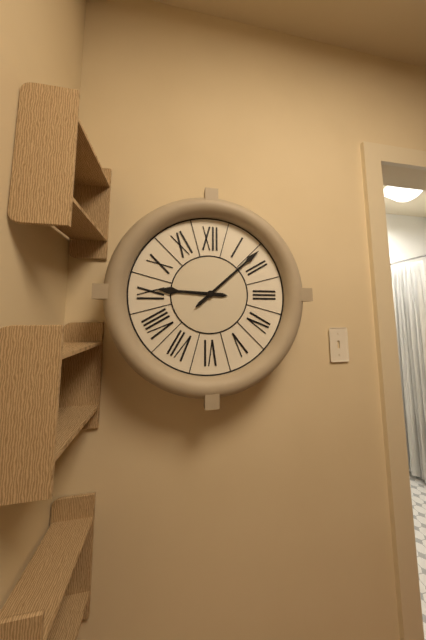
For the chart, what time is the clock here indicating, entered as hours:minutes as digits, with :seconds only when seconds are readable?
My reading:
9:08
